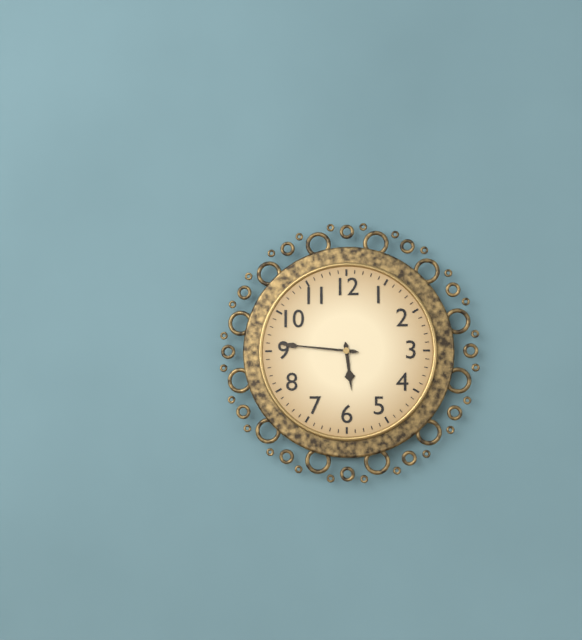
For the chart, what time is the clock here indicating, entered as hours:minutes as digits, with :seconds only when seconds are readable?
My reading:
5:46
